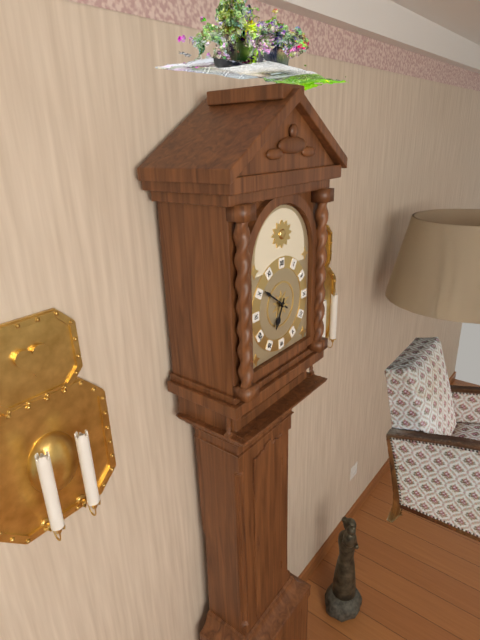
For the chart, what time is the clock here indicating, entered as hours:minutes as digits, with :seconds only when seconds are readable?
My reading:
6:51
